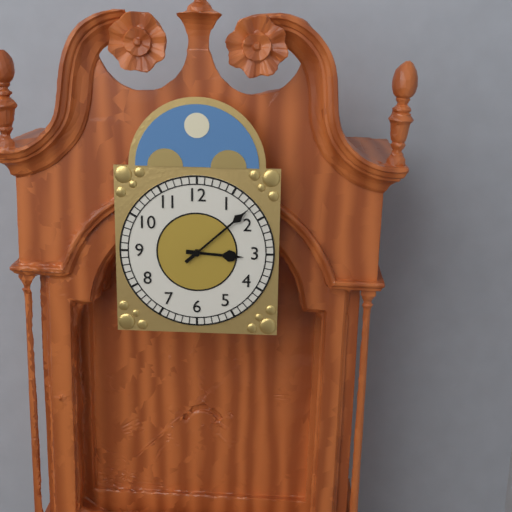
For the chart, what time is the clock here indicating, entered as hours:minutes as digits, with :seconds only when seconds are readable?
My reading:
3:08
